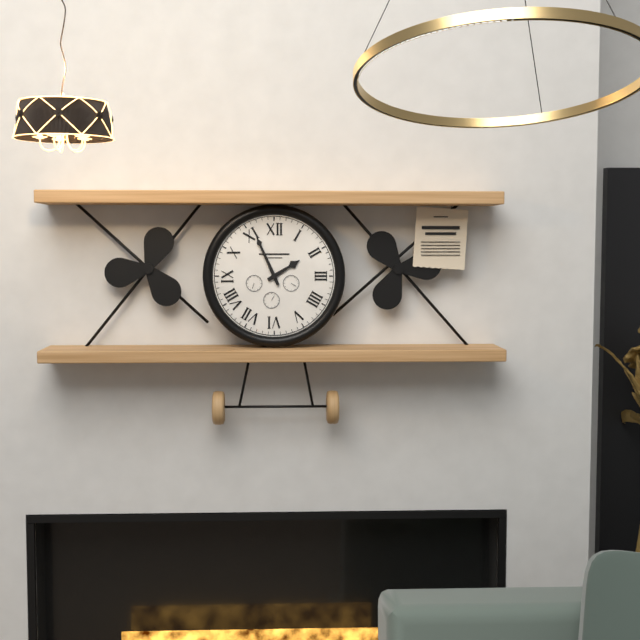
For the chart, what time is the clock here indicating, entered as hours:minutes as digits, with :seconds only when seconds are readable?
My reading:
1:56
